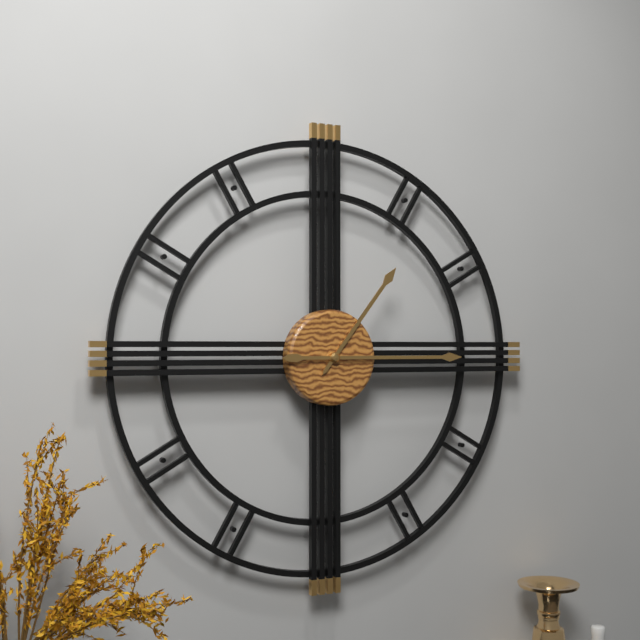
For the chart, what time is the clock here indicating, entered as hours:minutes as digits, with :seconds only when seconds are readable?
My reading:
1:15
